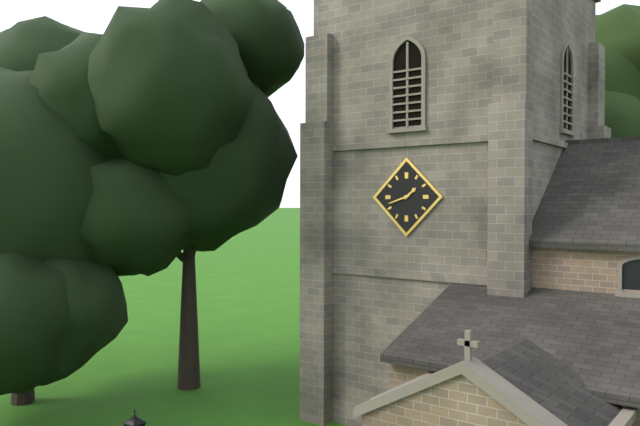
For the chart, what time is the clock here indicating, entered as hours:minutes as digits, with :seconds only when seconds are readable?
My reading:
1:42
